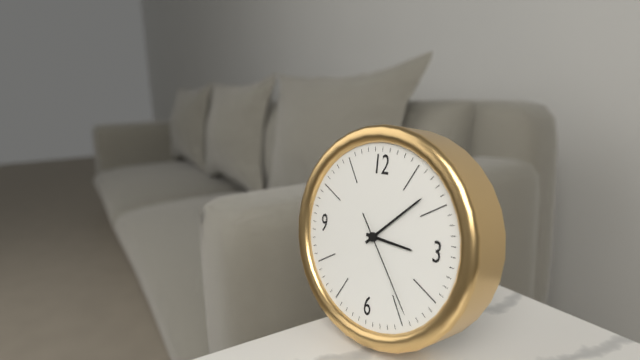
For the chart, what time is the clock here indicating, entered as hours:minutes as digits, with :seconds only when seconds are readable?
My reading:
3:08:24
